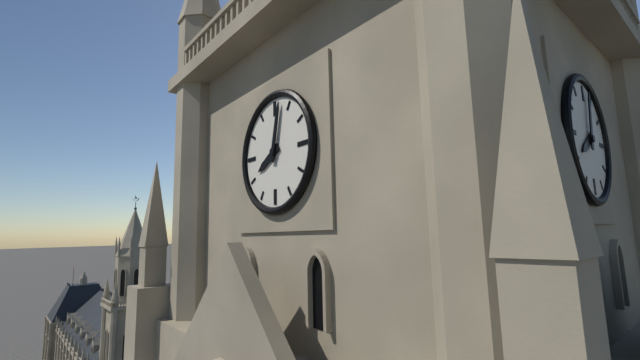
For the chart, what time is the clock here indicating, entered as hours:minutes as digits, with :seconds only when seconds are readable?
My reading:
8:02
